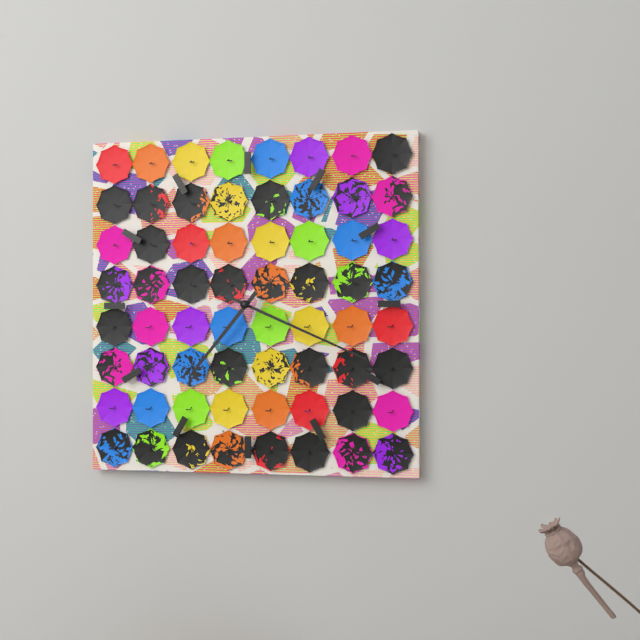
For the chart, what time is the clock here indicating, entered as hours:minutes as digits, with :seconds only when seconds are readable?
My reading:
7:19
